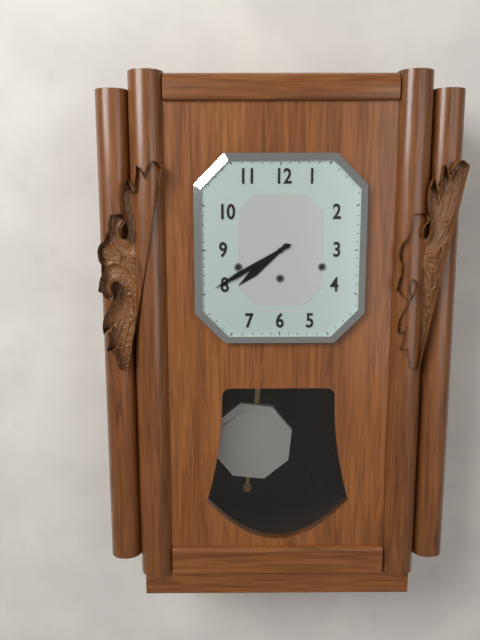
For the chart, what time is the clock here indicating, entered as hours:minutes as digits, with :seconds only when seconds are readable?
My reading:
7:40
